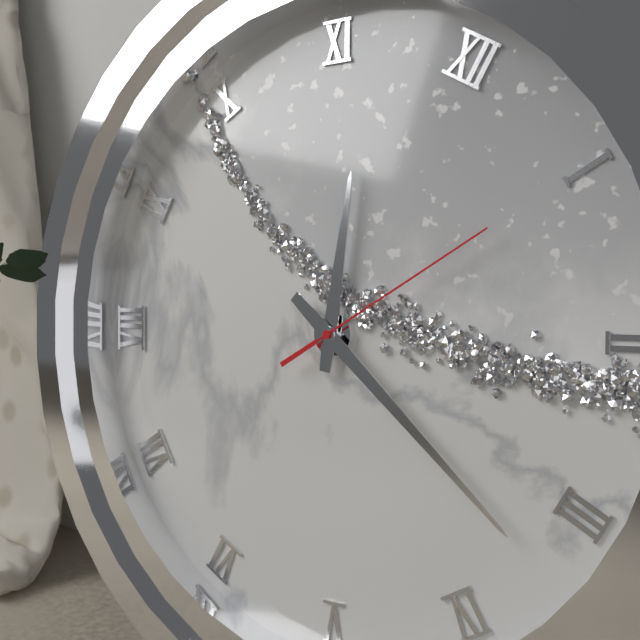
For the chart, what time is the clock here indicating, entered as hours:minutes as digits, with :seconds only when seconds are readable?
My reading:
11:17:05
